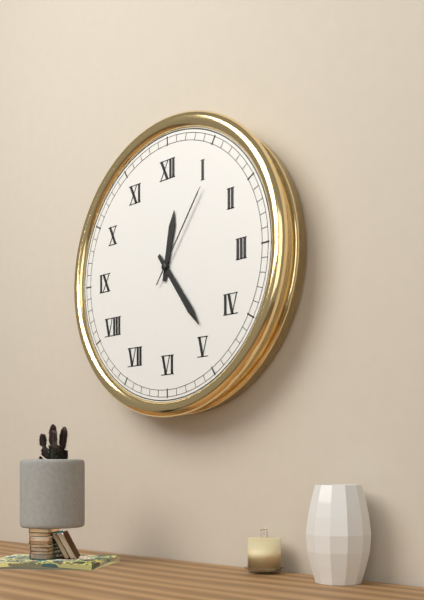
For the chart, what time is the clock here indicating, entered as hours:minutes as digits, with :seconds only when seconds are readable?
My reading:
12:24:06
